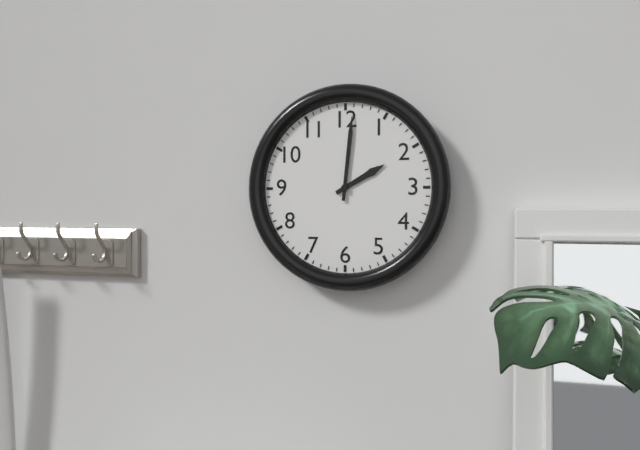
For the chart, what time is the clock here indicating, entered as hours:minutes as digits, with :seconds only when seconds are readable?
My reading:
2:01
